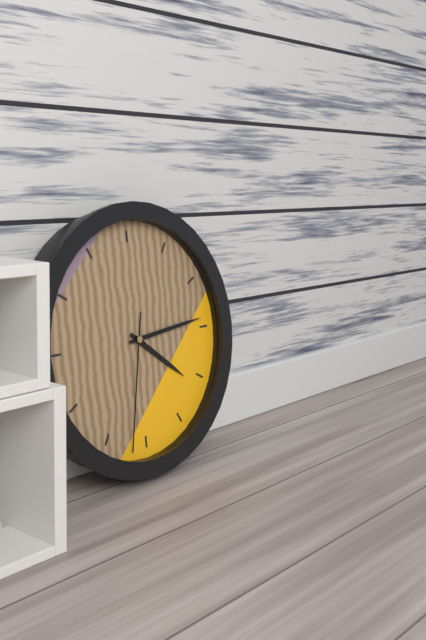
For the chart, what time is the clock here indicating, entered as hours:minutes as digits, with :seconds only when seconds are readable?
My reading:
4:14:32
